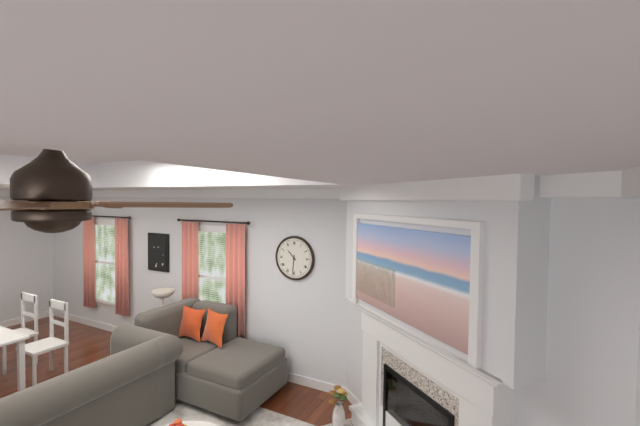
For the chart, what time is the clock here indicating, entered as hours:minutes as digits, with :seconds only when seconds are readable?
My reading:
10:31
